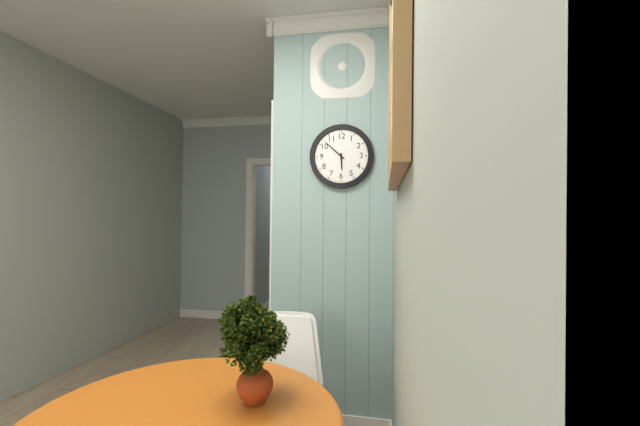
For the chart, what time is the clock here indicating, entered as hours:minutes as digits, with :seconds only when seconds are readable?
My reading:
5:52
